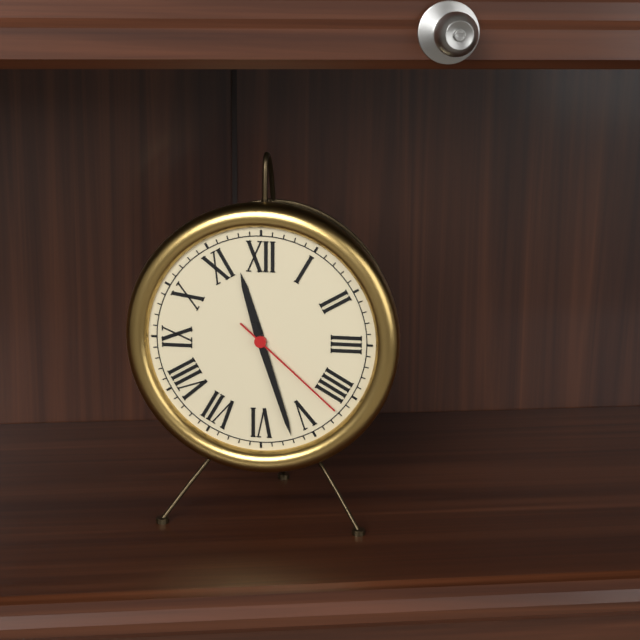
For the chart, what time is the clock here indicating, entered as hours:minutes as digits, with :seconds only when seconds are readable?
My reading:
11:27:22
